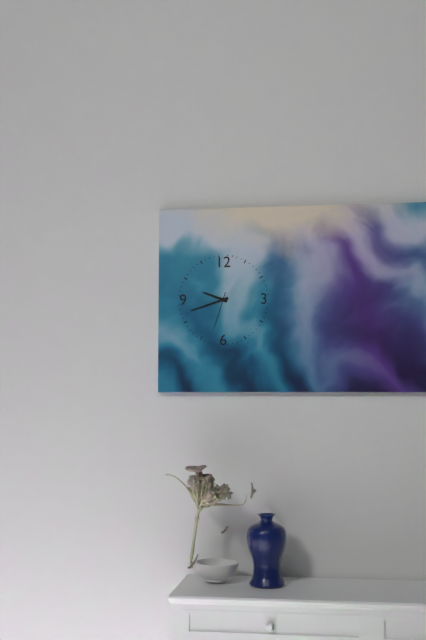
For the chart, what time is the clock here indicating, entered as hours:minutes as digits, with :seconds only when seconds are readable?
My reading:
9:42
